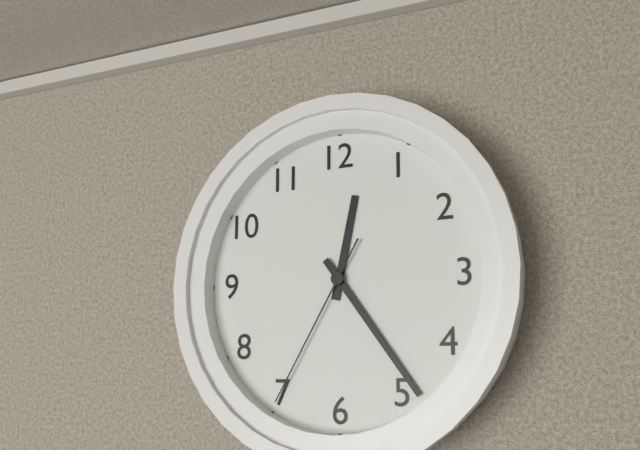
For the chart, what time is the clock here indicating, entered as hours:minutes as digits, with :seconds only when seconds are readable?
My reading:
12:24:35
